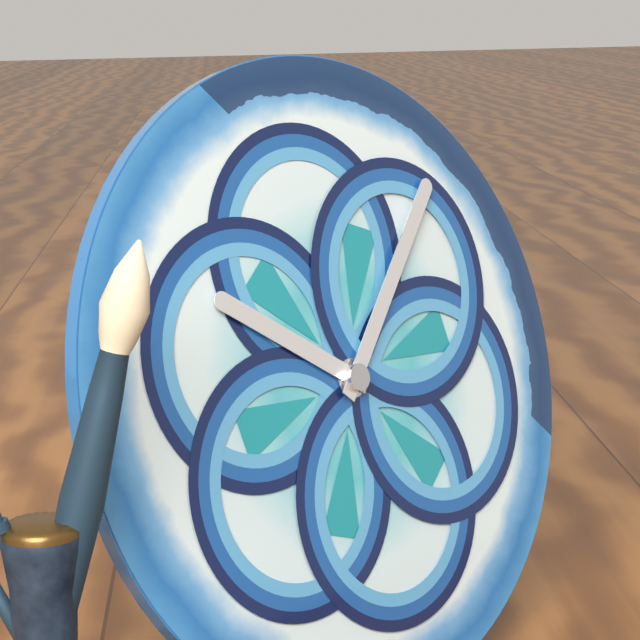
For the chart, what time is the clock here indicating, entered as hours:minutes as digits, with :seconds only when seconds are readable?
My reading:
10:07
